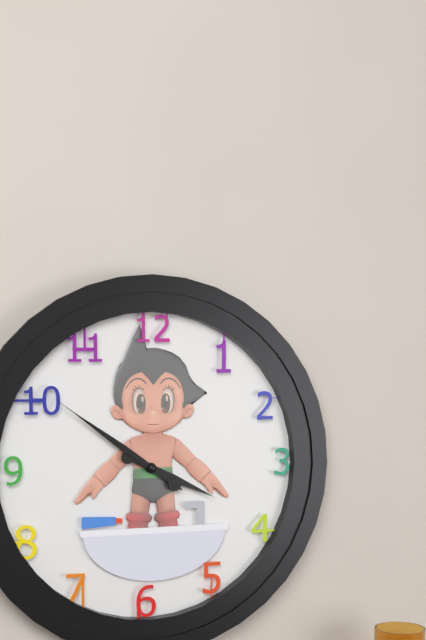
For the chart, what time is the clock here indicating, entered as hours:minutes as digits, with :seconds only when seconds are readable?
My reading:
3:51:51
